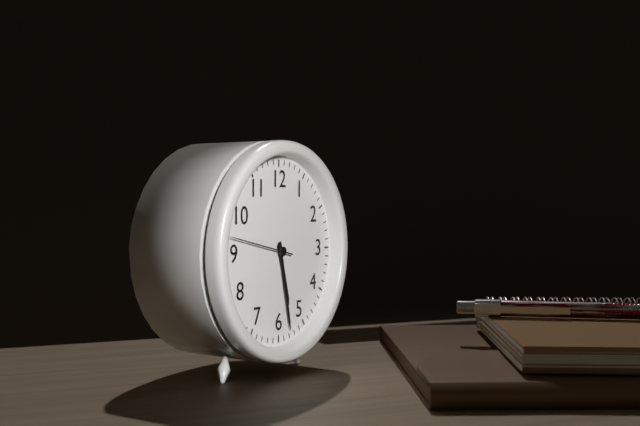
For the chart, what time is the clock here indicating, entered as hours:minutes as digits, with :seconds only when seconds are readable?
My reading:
5:28:47
